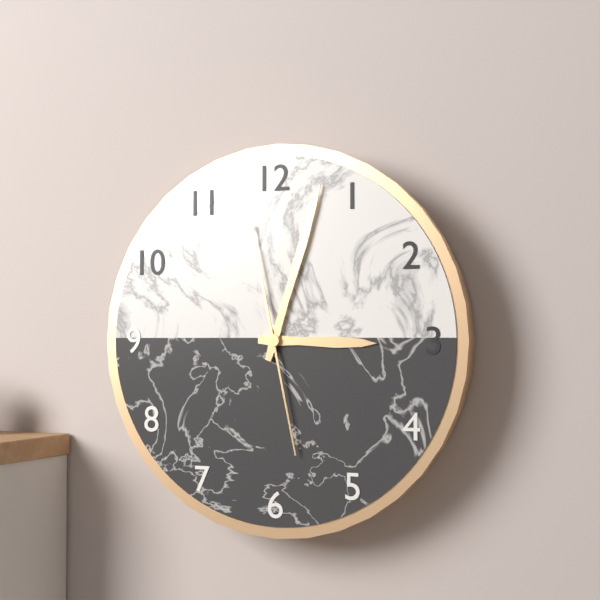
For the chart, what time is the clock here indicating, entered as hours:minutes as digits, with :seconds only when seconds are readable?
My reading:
3:03:58
